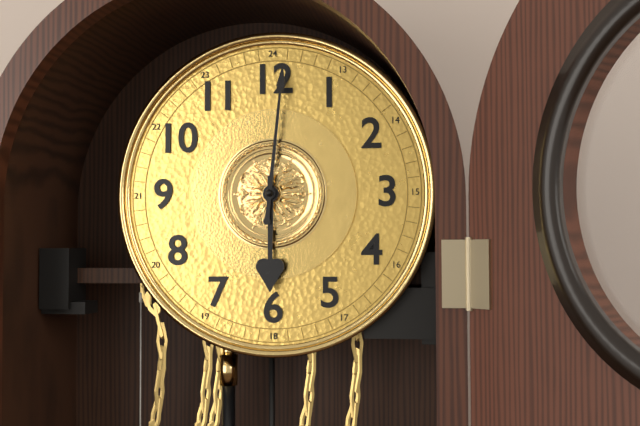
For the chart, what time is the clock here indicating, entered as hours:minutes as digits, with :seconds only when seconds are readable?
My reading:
6:01
